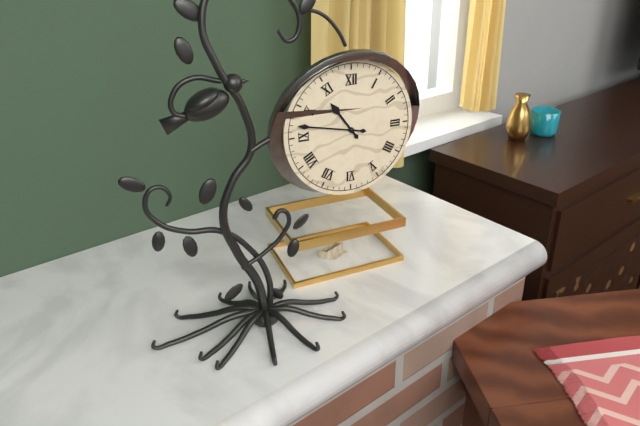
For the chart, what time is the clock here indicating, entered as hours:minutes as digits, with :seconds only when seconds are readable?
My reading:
10:47
